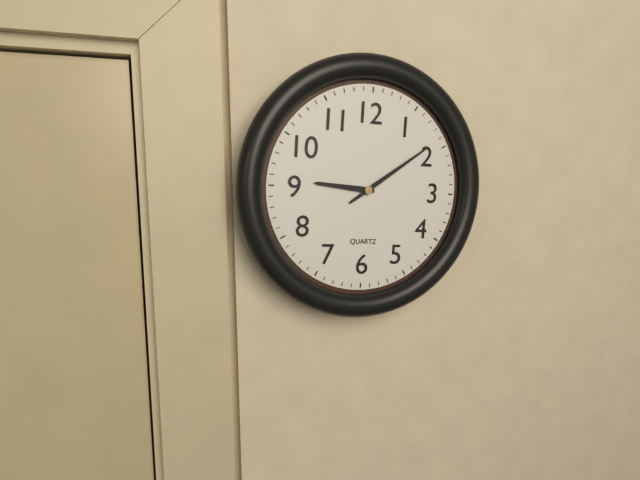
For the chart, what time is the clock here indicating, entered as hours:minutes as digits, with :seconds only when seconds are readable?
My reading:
9:09
